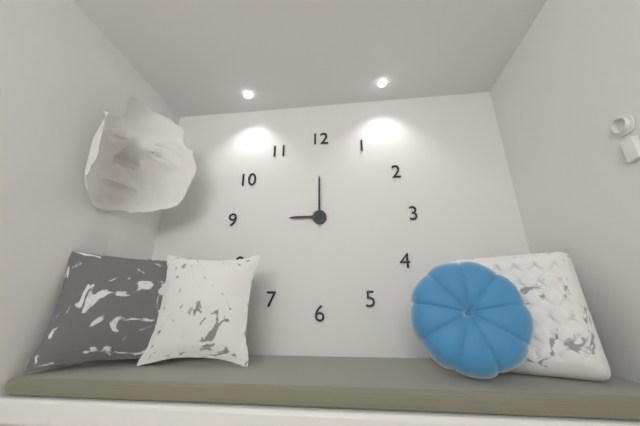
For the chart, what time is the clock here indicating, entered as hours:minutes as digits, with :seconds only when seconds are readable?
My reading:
9:00
